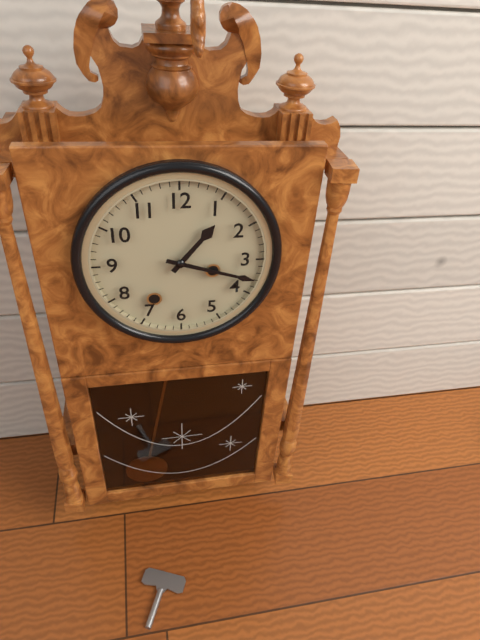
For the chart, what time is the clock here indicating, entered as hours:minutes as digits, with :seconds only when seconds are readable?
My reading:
1:18
